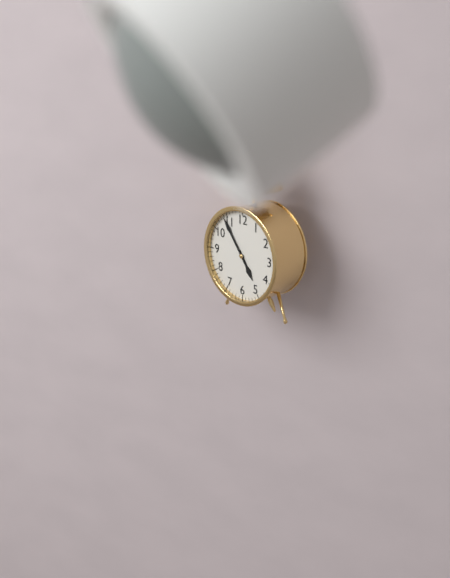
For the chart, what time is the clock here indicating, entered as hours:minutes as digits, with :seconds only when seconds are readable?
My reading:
4:54
